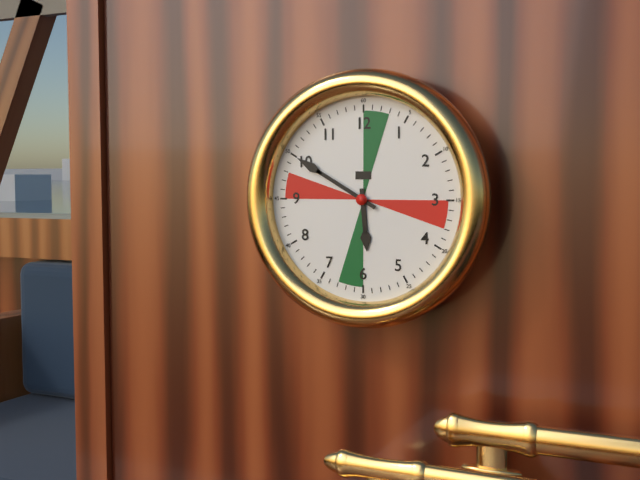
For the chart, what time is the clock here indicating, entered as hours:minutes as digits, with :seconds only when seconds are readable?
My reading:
5:50
